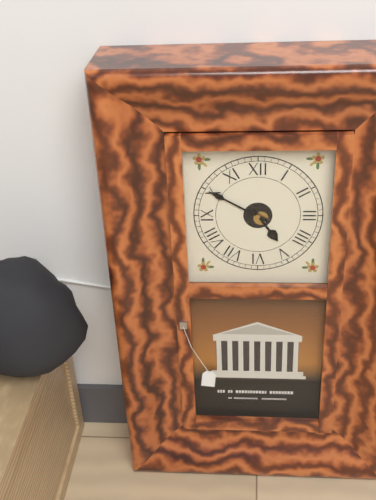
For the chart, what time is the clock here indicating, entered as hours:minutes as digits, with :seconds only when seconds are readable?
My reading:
4:50
